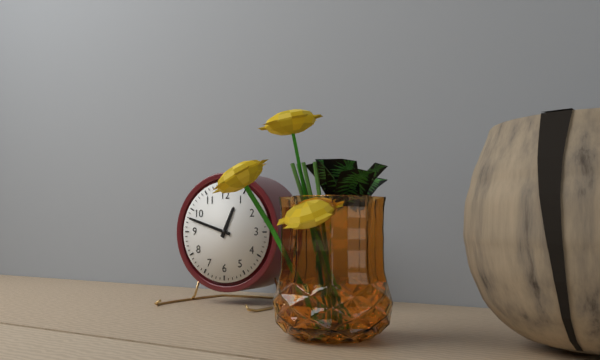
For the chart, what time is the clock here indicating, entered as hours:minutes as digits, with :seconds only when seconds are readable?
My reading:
12:48
